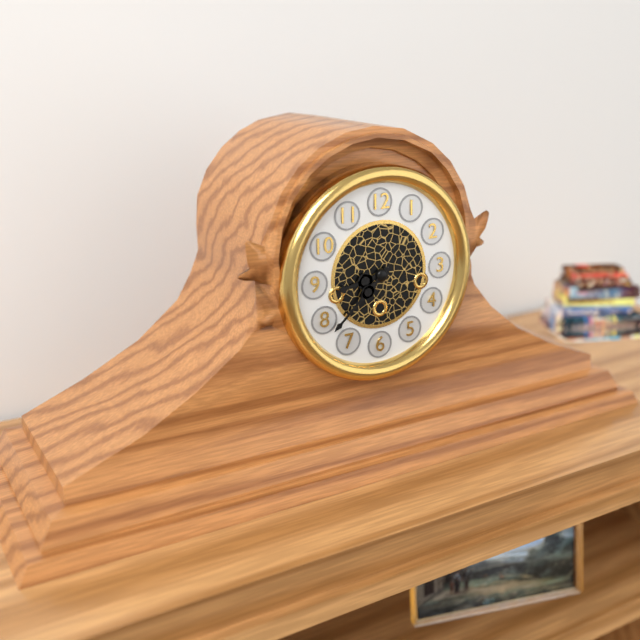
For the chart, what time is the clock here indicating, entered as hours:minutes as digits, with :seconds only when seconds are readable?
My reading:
8:38
